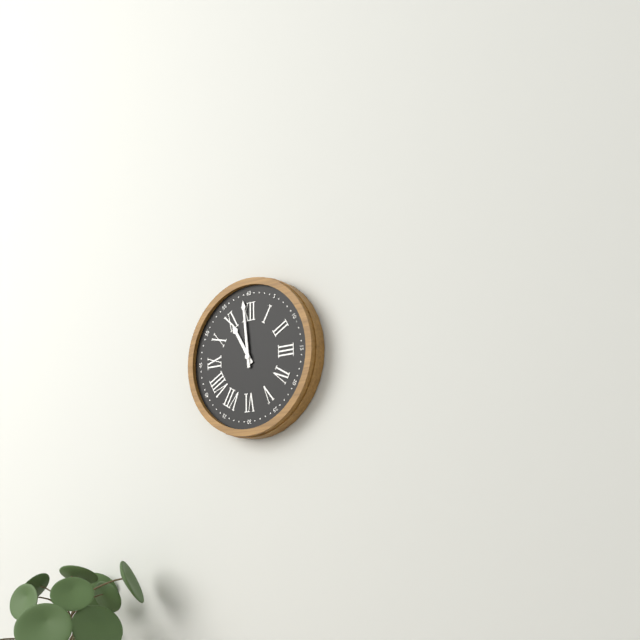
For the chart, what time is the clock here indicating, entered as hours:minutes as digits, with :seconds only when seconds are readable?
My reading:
10:59
